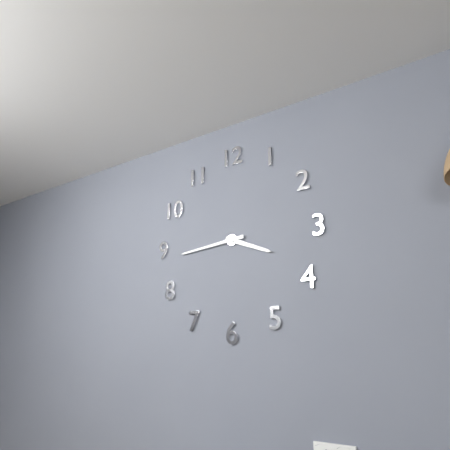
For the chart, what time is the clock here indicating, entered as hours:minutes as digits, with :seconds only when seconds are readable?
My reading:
3:44
